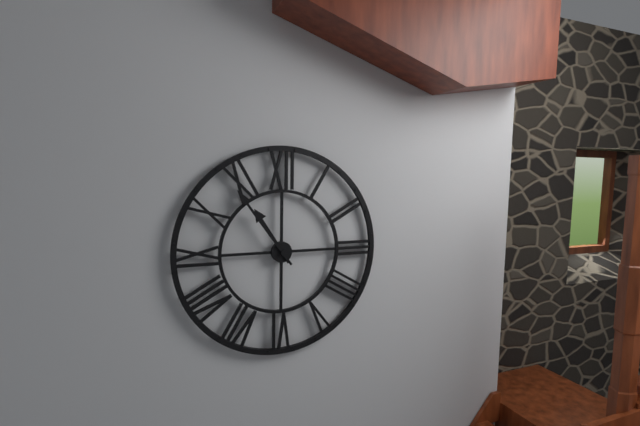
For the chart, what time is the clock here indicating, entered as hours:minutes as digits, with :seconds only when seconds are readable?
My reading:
10:54
